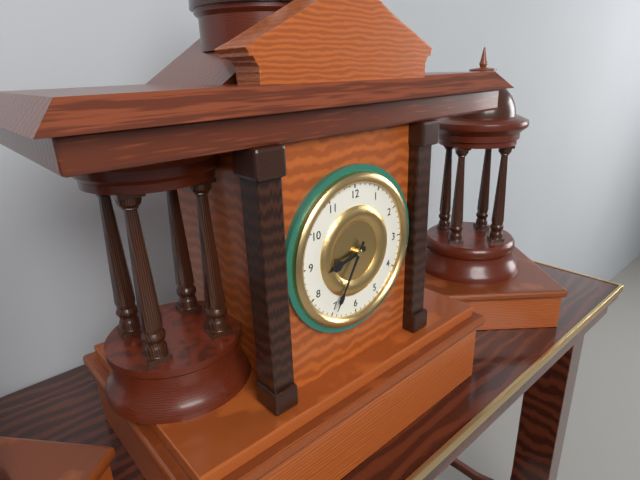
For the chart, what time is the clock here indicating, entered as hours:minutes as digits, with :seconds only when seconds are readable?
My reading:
8:35
